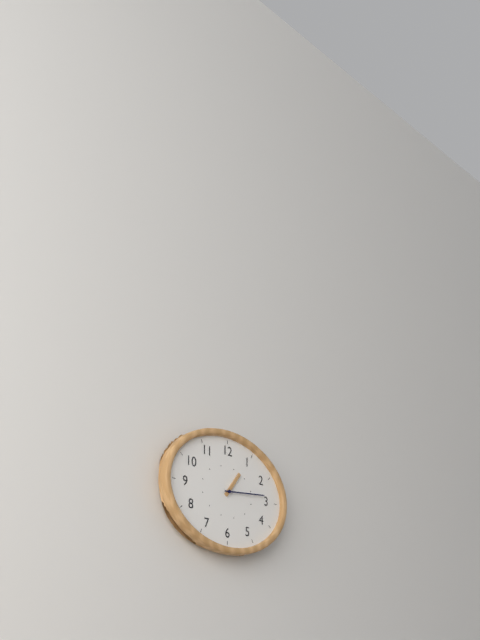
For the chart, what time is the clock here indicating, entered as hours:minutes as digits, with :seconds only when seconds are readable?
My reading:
1:14
